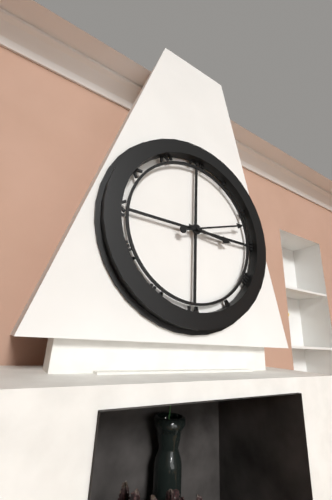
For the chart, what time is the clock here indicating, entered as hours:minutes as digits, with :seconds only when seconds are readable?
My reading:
3:12
